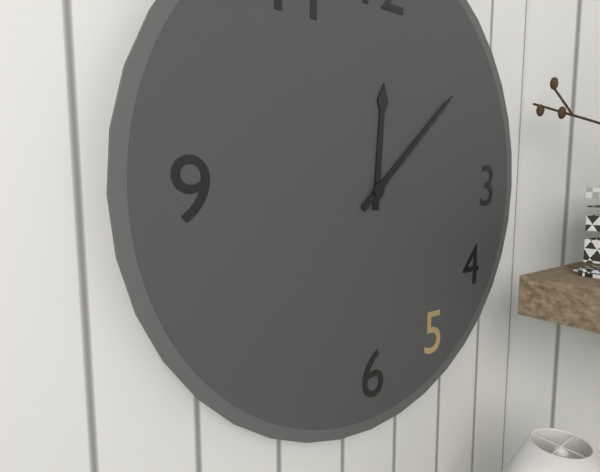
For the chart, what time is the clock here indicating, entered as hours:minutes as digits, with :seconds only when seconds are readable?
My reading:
12:08
